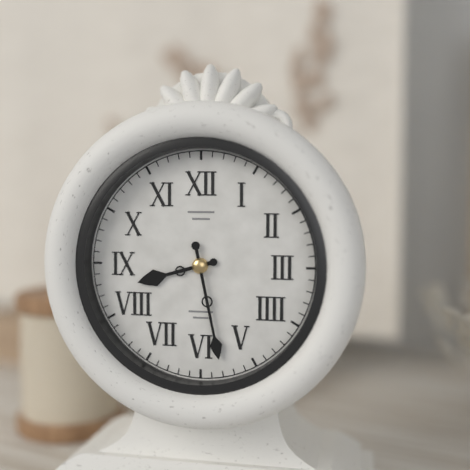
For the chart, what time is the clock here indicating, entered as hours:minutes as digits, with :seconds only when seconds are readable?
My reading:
8:28
